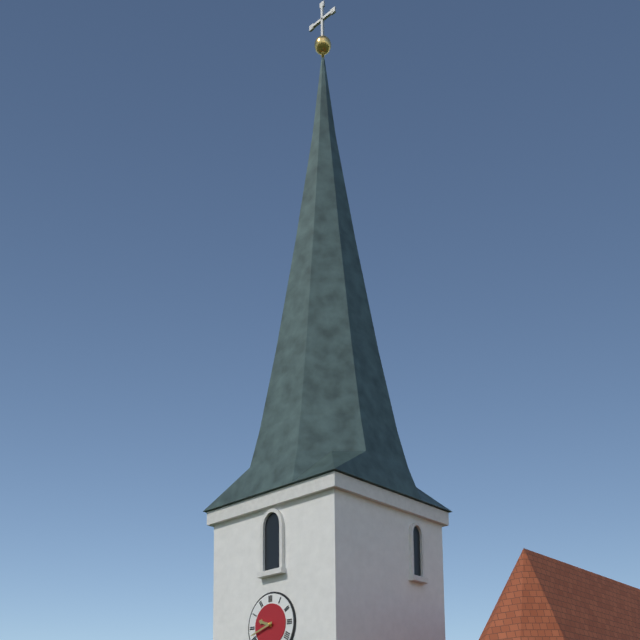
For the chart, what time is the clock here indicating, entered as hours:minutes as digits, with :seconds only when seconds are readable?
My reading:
9:42
